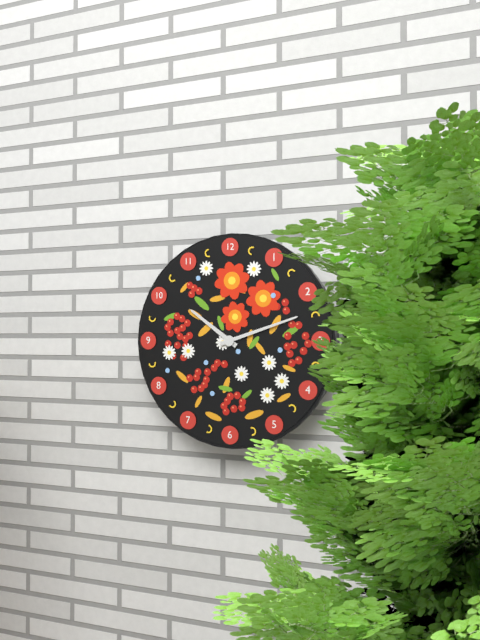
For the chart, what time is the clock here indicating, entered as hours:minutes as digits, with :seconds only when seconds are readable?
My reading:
10:12
